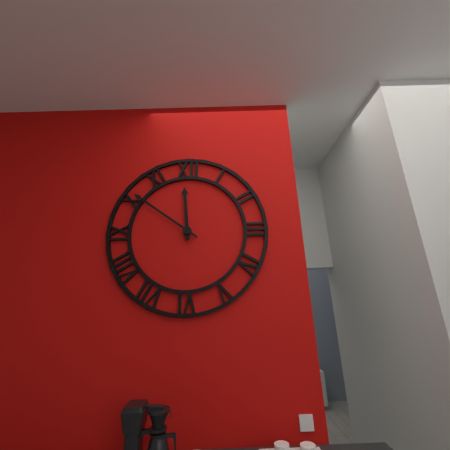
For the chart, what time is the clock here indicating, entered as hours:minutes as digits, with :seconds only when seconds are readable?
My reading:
11:51
